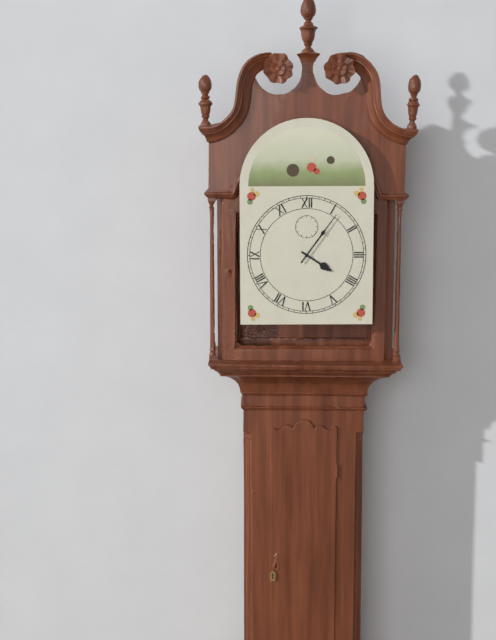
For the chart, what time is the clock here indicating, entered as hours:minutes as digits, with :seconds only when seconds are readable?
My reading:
4:06
